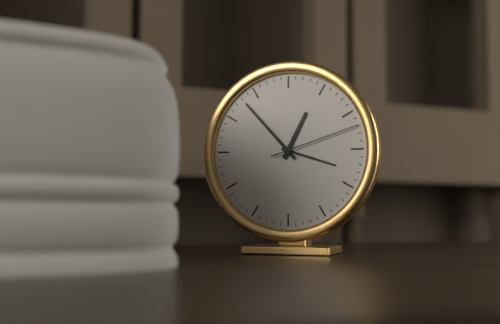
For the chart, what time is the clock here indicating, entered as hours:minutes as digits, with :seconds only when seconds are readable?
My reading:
12:53:12
